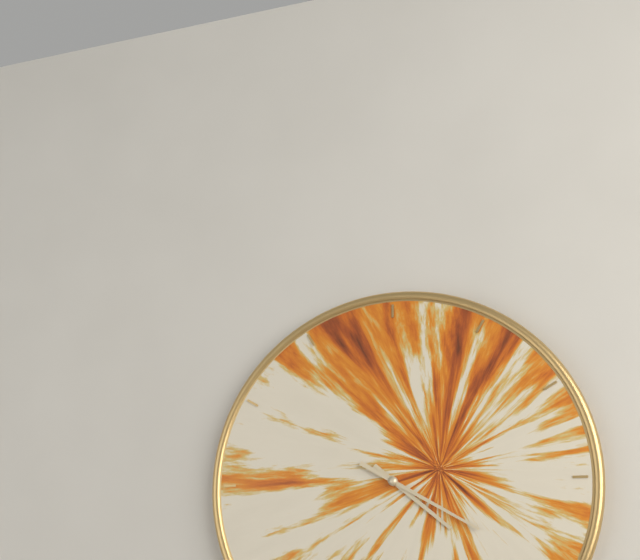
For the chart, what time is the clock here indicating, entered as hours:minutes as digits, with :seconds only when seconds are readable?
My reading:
4:20
